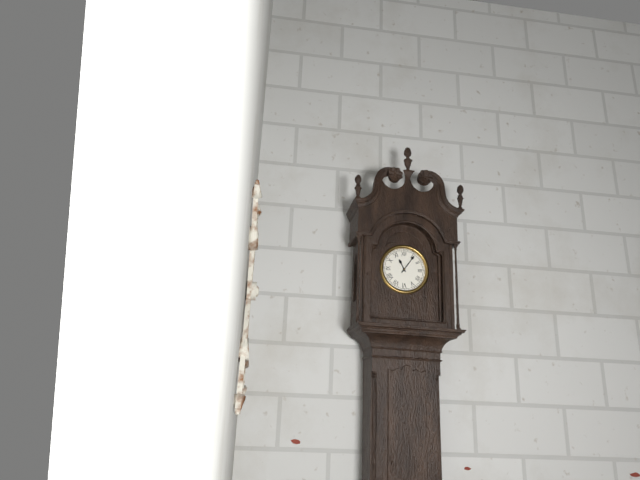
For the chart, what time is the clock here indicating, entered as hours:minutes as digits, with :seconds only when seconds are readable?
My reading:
11:06
